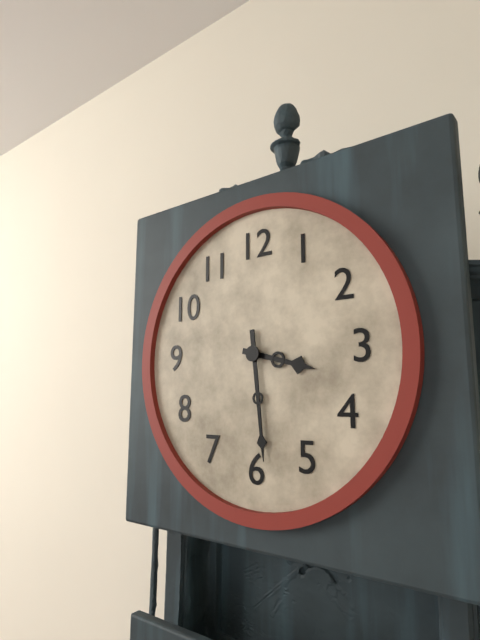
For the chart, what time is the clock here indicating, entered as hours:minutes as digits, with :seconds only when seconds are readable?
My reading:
3:29
